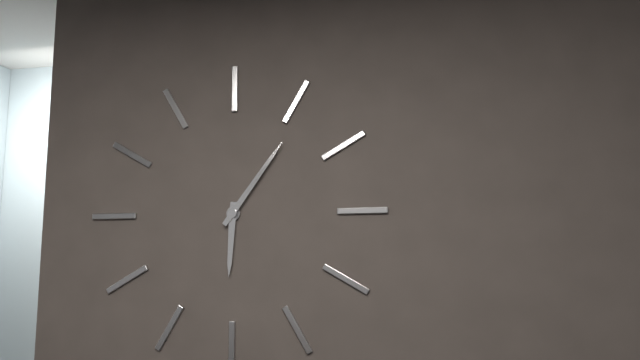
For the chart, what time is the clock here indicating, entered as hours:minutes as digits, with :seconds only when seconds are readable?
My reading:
6:06
